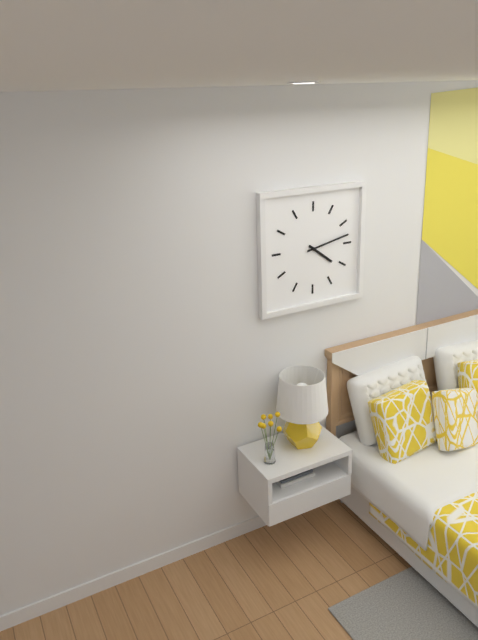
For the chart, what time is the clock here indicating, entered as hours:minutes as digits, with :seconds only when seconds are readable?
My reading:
4:13
